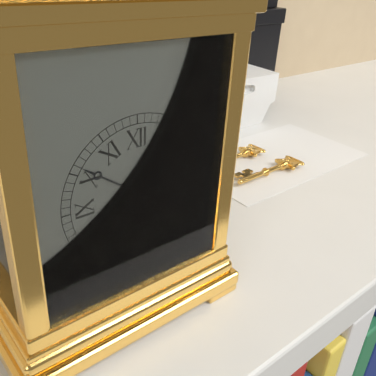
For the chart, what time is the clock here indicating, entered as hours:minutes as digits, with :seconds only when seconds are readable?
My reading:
1:51
